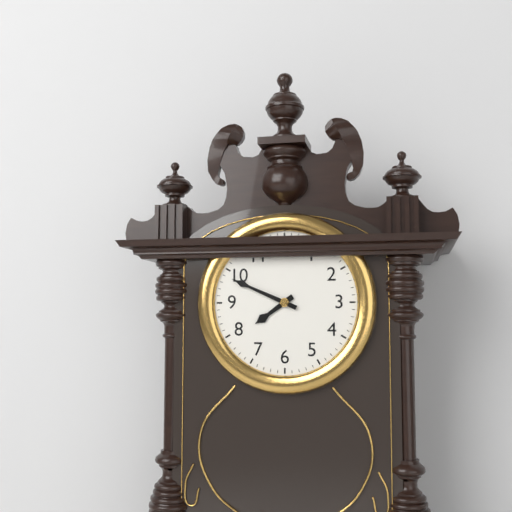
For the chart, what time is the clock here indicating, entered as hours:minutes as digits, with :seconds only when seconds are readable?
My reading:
7:49
